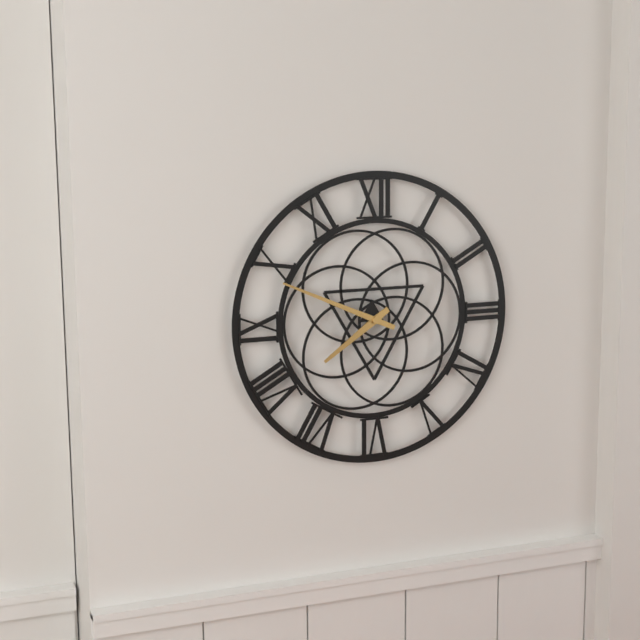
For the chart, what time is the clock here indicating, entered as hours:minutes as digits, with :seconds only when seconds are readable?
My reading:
7:49
